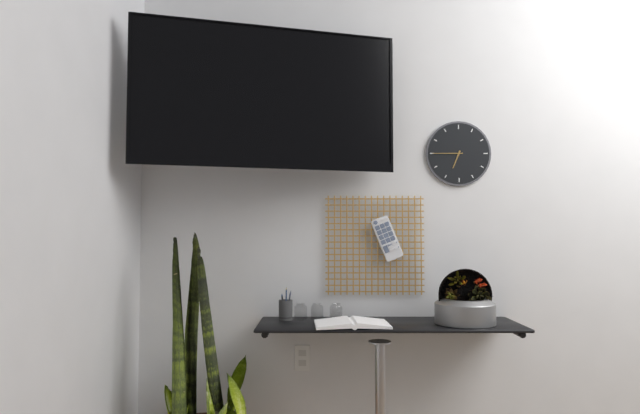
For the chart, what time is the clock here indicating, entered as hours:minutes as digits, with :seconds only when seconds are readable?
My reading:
6:45
